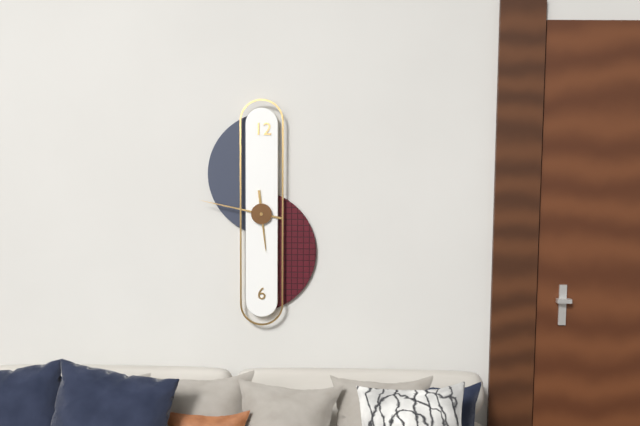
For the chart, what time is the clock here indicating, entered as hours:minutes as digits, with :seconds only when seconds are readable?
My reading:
5:47
